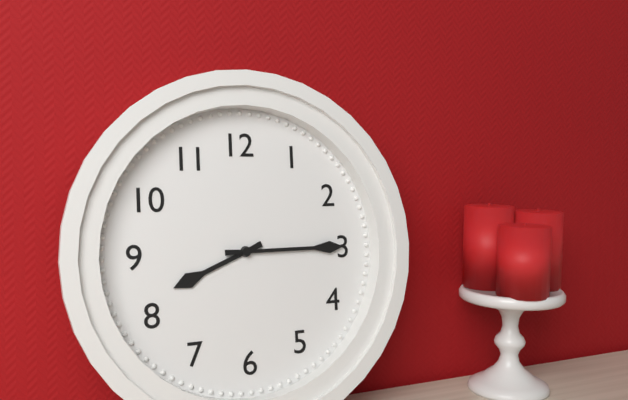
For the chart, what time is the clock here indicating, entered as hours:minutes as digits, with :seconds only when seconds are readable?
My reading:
8:15
